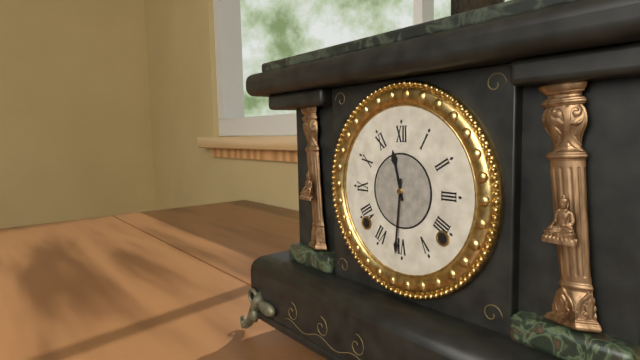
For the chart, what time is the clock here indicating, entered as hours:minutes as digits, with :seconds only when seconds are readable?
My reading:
11:31
